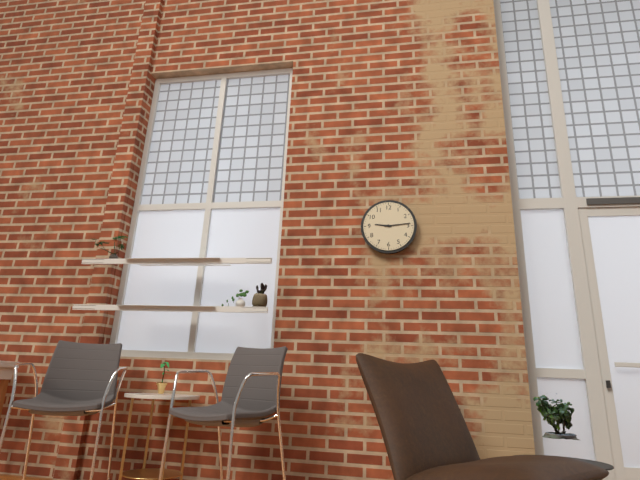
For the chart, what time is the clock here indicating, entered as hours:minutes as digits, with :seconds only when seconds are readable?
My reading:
9:14
